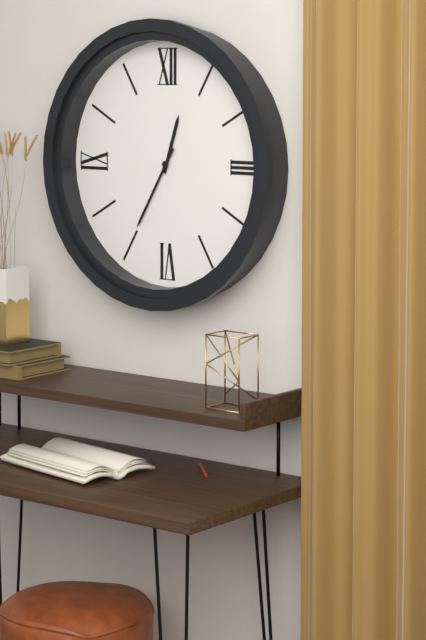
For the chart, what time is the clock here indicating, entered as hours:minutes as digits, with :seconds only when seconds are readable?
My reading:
12:35
